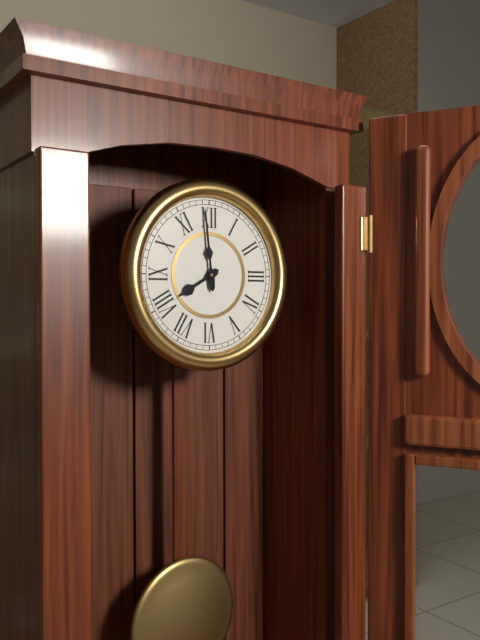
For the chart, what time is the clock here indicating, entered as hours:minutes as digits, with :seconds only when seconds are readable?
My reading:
7:59
